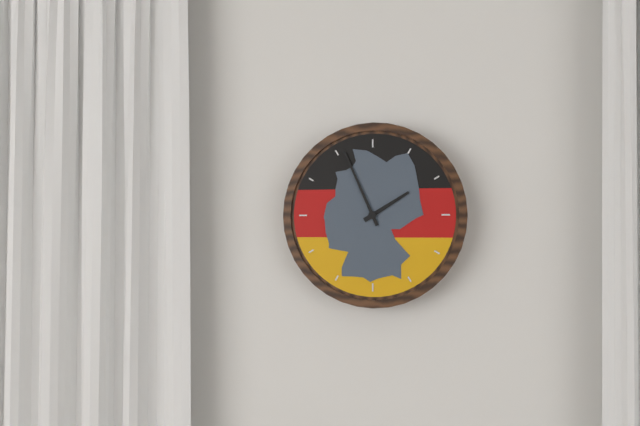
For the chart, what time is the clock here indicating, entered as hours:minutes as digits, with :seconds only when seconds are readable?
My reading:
1:56
